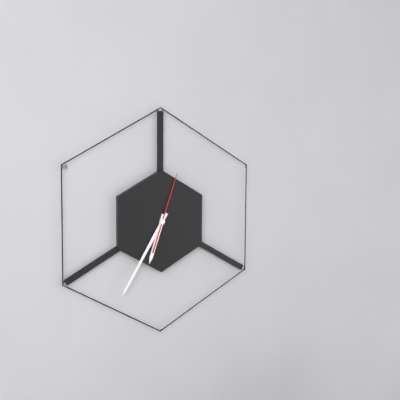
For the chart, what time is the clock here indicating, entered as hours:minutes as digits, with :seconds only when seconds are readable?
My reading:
6:35:03
